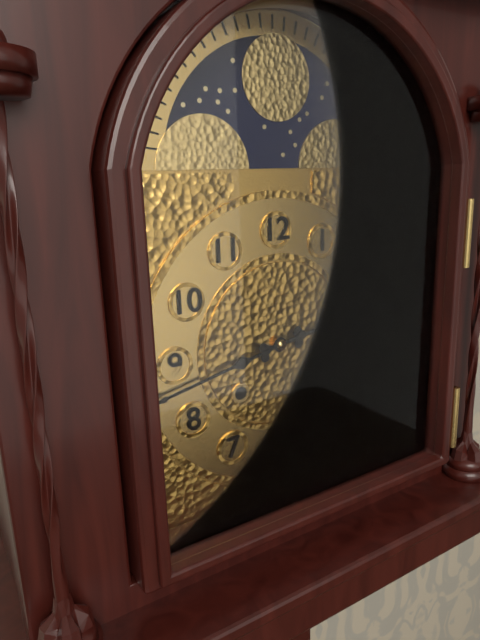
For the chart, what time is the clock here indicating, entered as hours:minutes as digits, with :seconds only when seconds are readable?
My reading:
2:43
